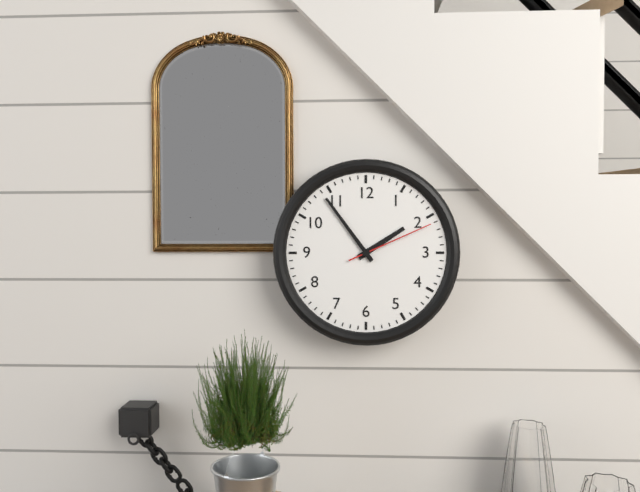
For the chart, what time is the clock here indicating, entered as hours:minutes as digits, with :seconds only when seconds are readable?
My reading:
1:54:11
